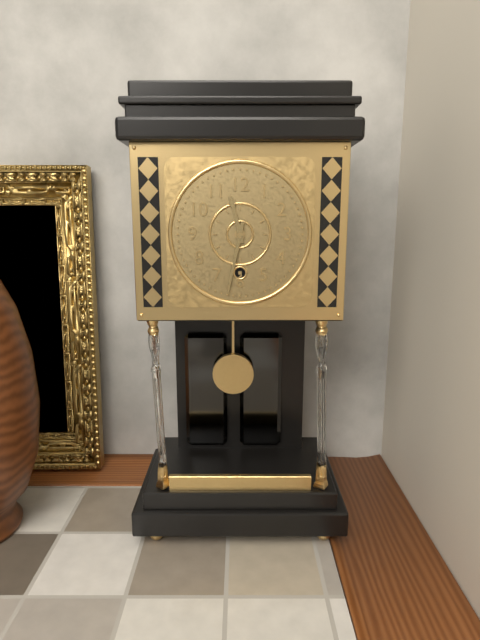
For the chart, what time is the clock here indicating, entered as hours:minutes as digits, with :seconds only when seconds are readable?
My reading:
11:32
